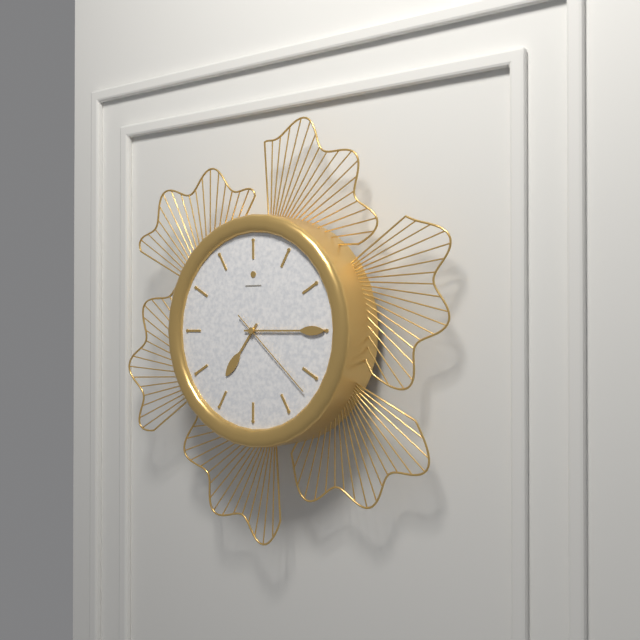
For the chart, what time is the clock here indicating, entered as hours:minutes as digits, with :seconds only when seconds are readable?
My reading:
7:15:22
